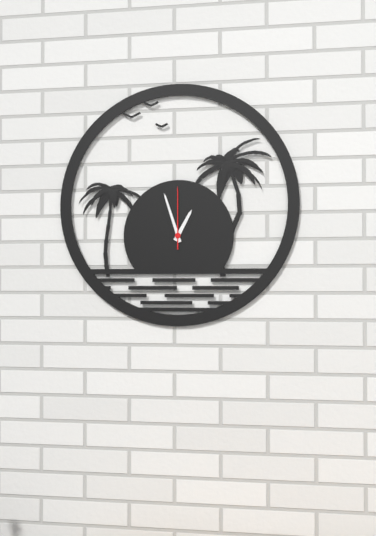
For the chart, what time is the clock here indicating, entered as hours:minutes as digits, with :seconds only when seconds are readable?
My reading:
12:57:00
